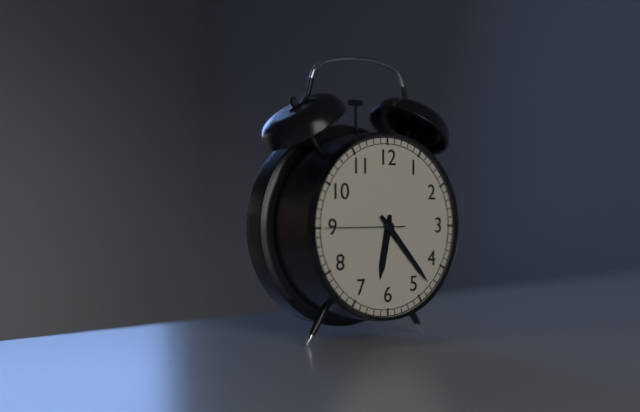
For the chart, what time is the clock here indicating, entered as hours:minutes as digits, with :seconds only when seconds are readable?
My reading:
6:23:45
